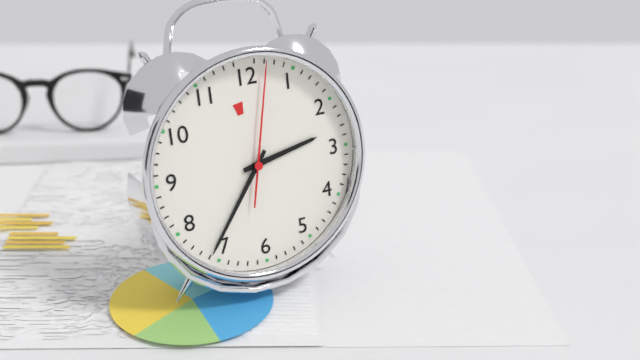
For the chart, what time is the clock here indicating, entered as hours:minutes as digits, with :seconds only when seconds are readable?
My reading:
2:36:02
